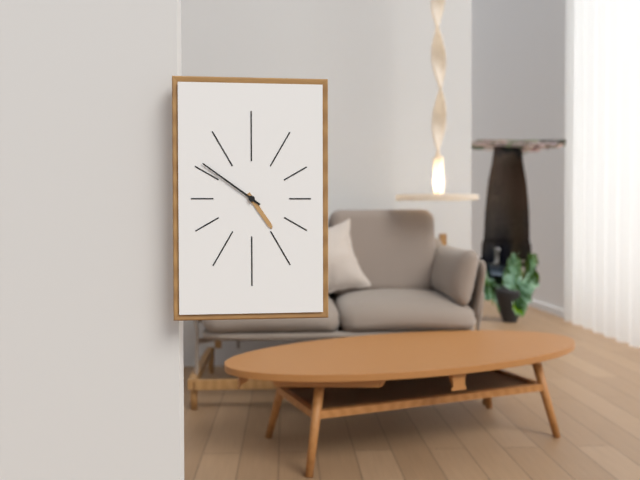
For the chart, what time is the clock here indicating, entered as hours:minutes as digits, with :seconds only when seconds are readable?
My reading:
4:51
